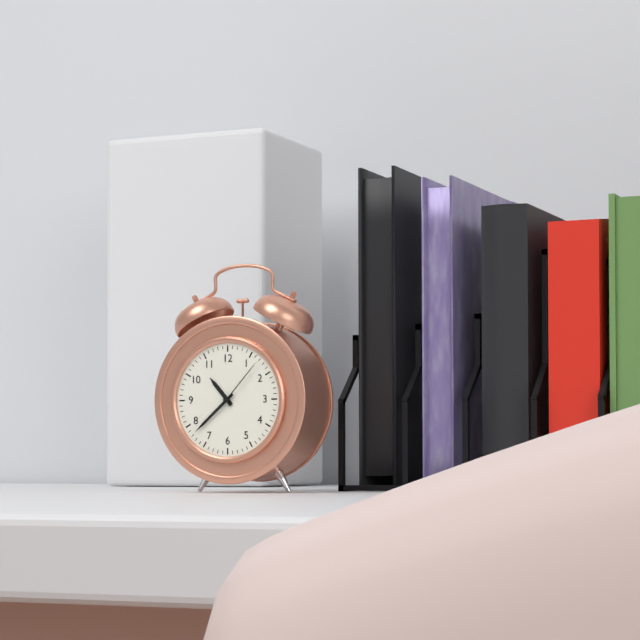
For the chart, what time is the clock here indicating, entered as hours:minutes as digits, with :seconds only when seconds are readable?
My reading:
10:38:07
